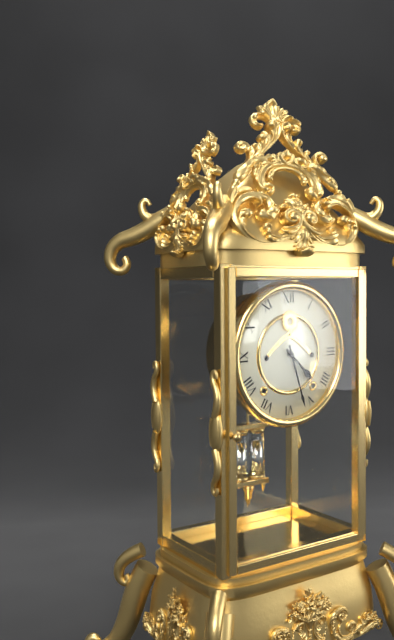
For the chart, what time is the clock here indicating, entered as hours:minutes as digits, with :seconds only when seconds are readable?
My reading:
4:27
